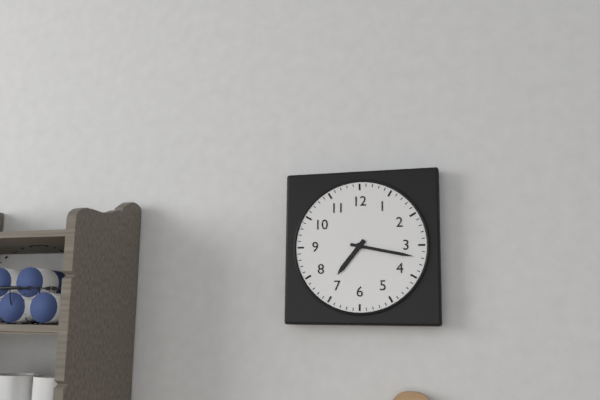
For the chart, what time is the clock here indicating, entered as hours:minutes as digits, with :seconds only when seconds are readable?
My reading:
7:17
